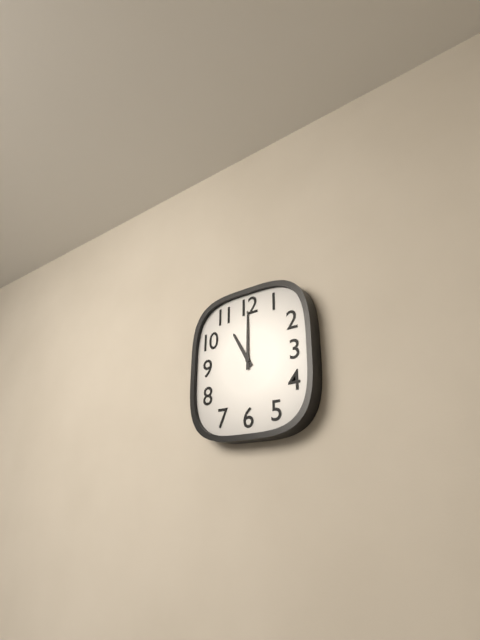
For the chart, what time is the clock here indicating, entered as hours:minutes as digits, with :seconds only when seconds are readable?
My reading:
11:00
